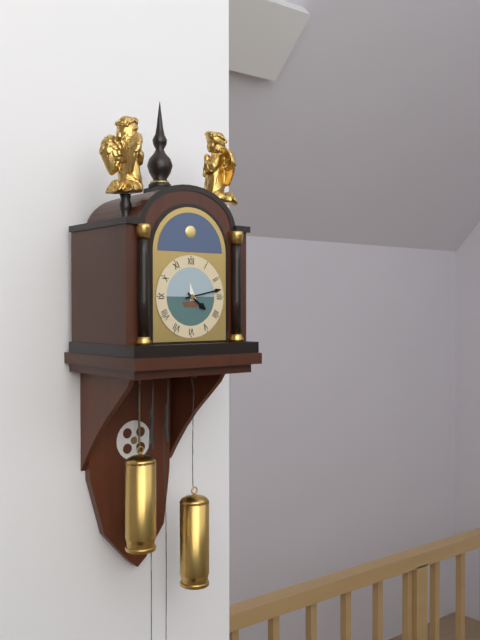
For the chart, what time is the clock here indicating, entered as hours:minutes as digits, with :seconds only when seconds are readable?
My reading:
4:13
